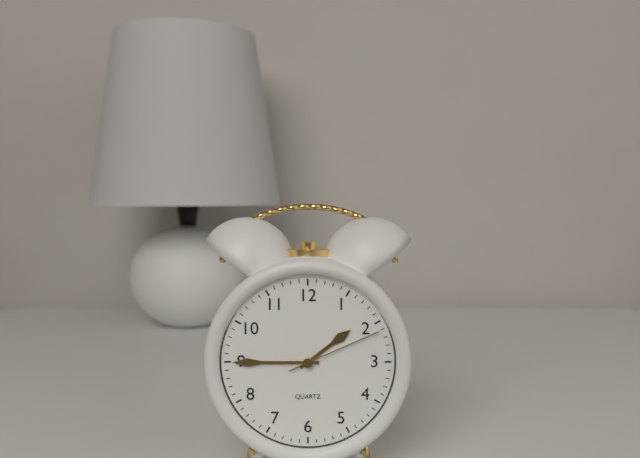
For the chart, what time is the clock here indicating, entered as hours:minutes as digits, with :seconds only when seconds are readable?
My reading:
1:45:11
